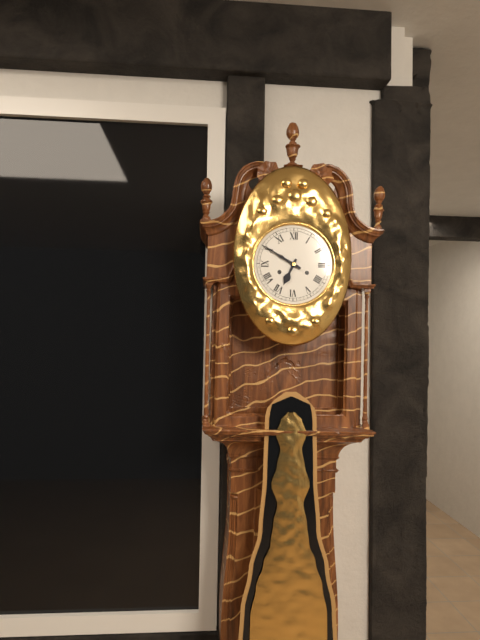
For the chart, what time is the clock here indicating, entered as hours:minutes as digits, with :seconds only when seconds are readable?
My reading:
6:50
